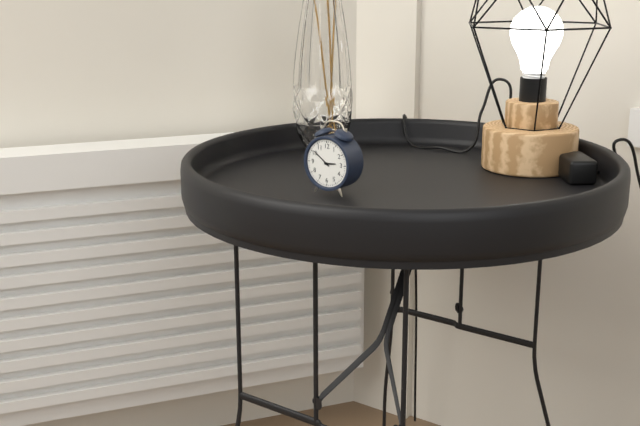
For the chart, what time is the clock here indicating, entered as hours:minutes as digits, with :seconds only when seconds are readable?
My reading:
2:51
